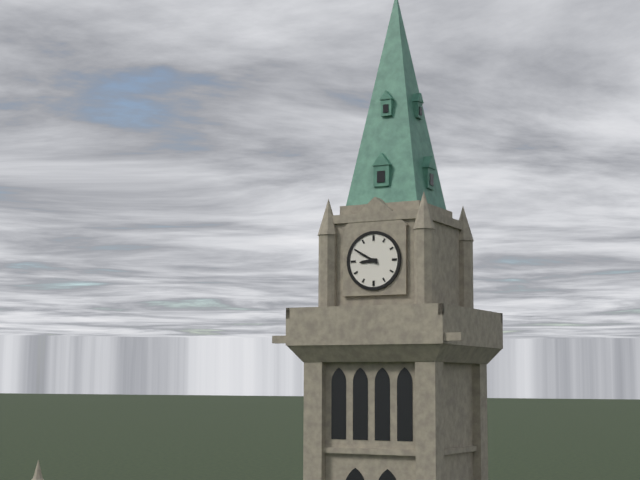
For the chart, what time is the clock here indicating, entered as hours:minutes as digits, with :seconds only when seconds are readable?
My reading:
8:50
